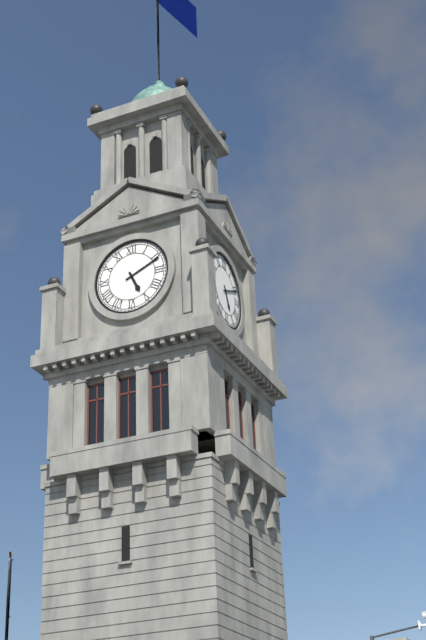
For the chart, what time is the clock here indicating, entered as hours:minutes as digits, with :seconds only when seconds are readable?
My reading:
5:11
